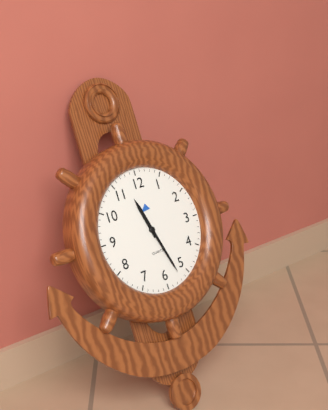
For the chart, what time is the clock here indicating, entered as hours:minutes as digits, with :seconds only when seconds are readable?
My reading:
11:27
